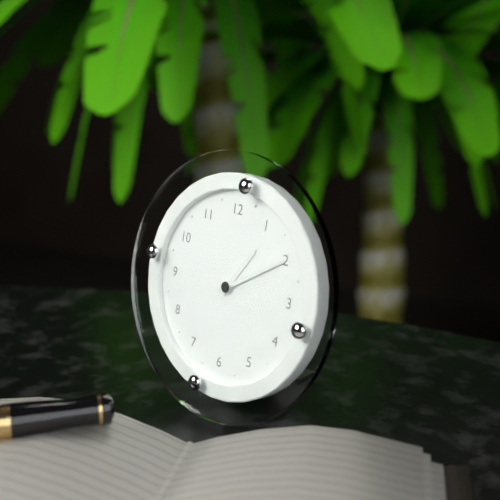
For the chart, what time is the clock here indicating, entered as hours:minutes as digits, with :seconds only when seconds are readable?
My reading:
1:10
